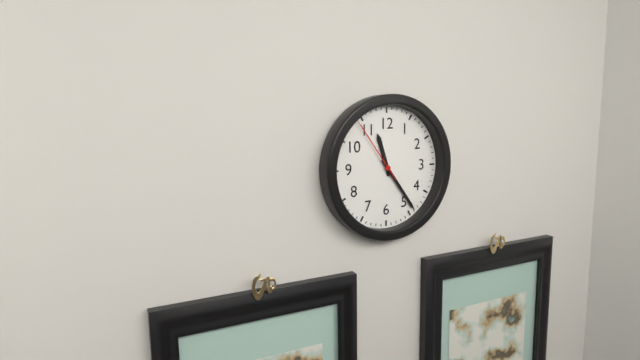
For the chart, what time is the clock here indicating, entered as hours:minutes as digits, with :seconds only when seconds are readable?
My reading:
11:24:54
